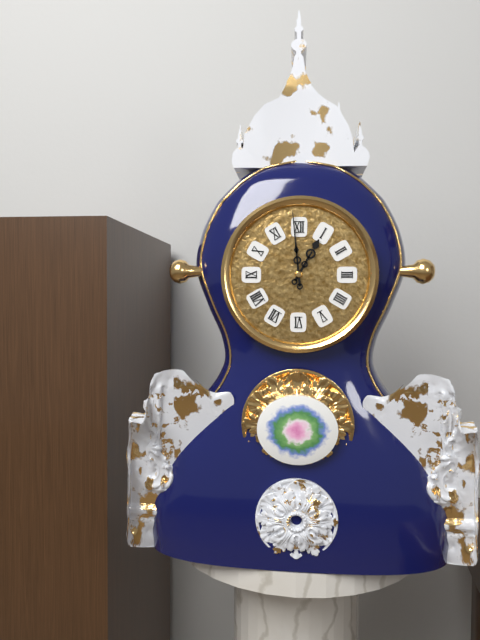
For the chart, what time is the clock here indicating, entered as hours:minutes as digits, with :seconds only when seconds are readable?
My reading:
12:59
